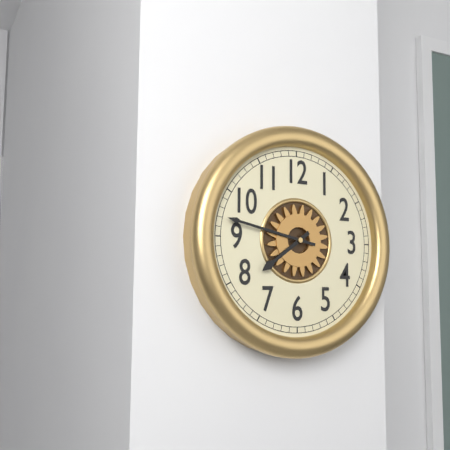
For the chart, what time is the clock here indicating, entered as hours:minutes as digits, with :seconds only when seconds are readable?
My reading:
7:47
